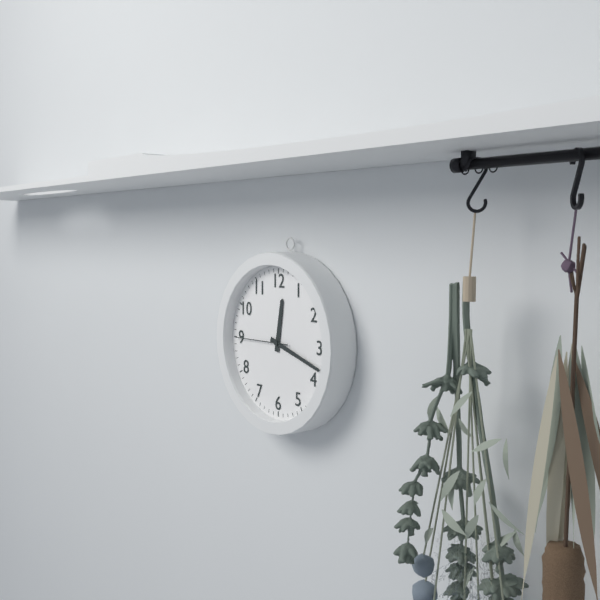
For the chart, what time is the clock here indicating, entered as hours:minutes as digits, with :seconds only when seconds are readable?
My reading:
12:18:45
